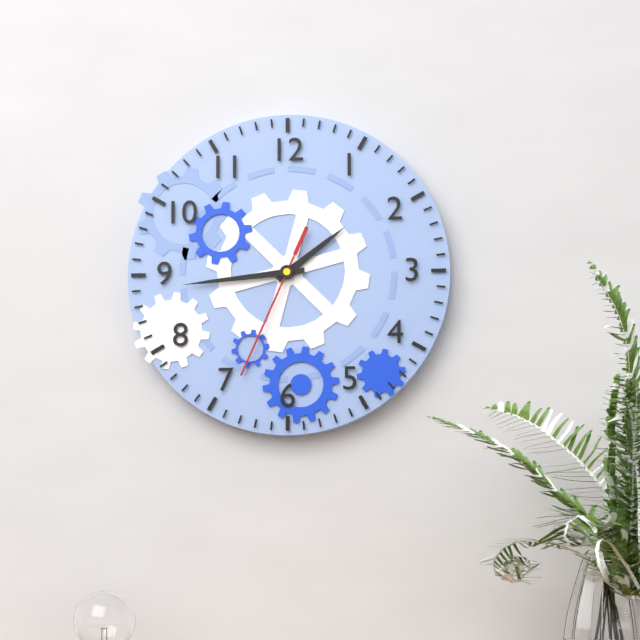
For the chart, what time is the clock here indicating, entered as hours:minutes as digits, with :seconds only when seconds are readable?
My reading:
1:44:34
